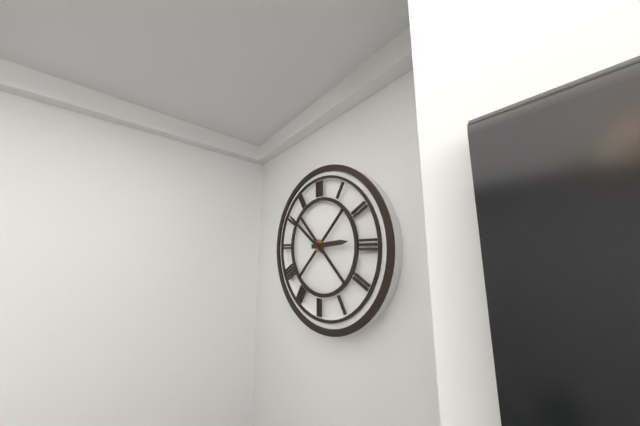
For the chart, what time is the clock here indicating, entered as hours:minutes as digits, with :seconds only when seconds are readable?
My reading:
2:51
